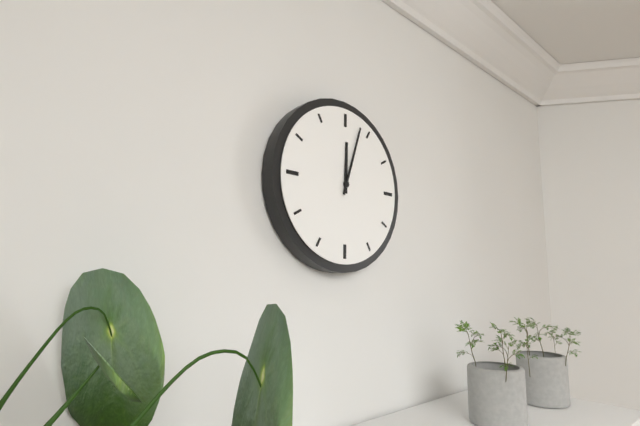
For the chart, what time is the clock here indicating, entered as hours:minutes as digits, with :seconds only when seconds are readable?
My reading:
12:03
